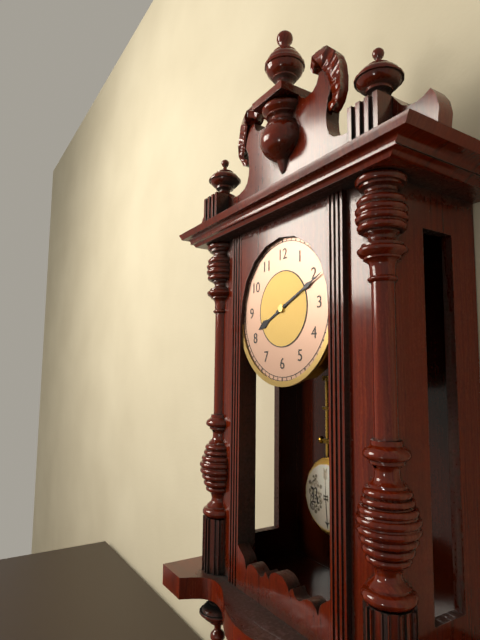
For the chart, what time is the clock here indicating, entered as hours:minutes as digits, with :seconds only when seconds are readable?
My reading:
8:11
